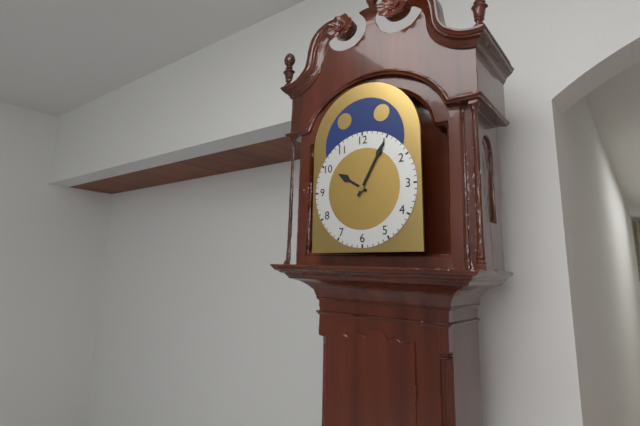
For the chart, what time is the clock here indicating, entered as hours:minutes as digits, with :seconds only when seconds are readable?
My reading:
10:05
